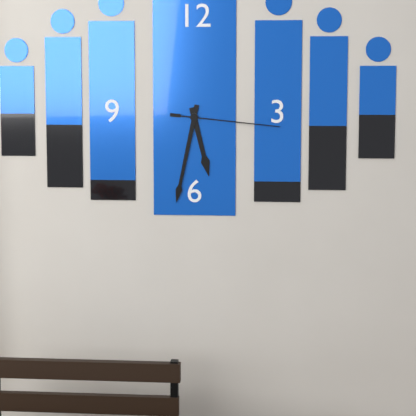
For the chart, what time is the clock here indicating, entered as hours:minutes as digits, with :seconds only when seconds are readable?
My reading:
5:32:16
